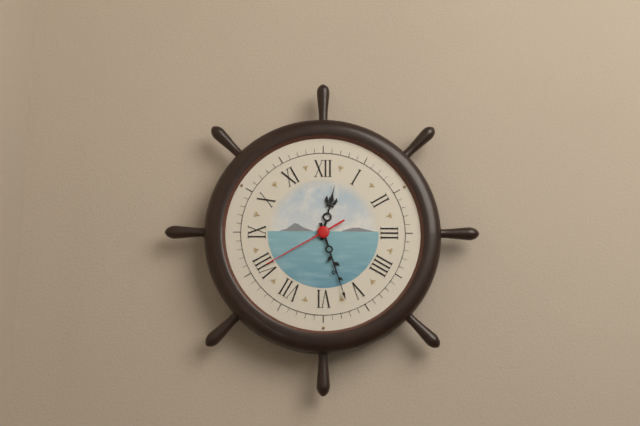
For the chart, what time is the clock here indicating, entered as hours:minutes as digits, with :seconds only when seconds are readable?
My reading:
12:27:40
